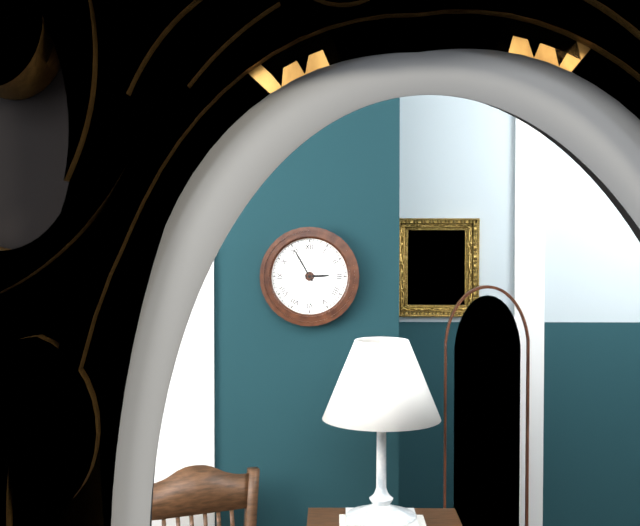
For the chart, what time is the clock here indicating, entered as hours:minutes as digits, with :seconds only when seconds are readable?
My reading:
2:55
